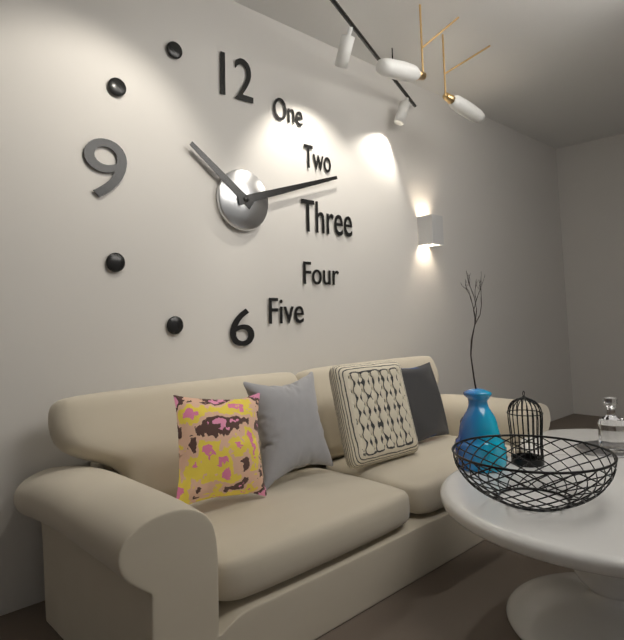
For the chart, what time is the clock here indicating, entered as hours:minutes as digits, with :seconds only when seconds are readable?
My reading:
10:12
